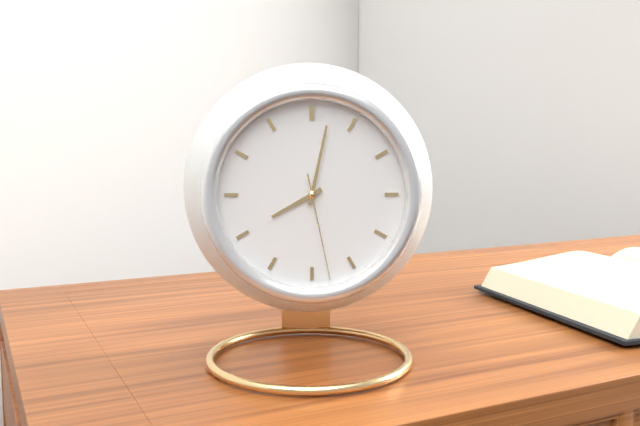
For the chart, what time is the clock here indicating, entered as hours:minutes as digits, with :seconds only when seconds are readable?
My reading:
8:02:28
